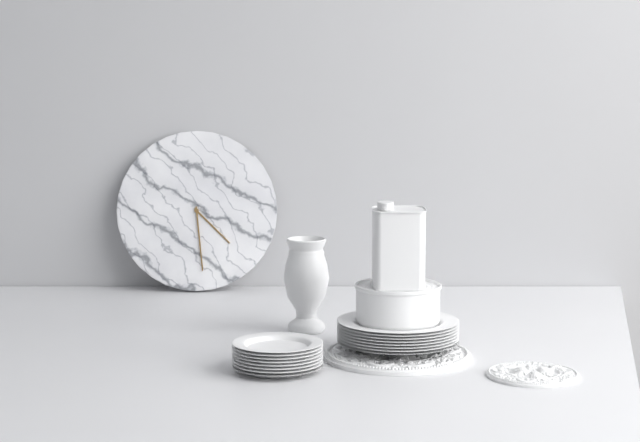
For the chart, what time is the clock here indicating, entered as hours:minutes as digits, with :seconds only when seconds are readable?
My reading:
4:29
